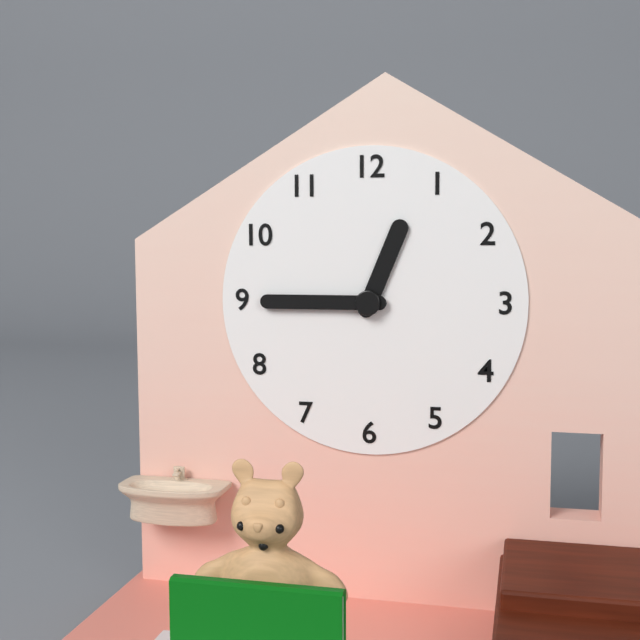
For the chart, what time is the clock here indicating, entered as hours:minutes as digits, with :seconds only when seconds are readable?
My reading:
12:45
